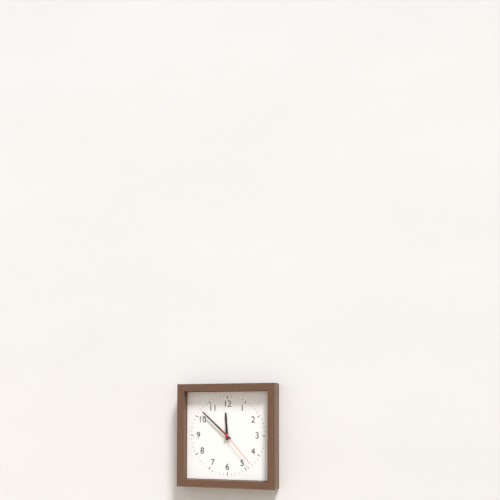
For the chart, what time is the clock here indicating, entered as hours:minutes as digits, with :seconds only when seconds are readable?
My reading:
11:52
